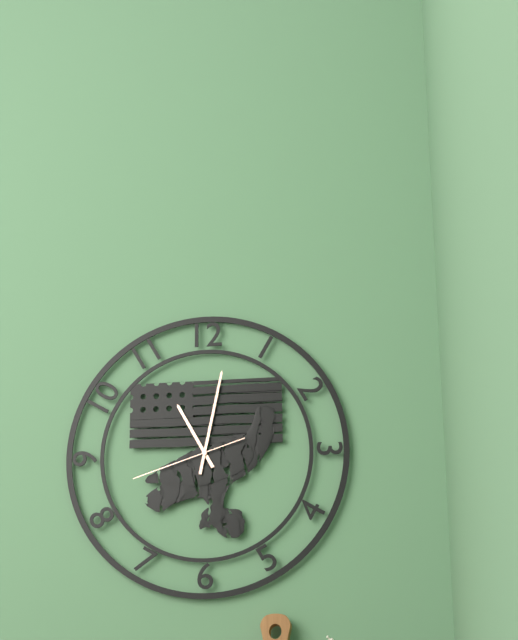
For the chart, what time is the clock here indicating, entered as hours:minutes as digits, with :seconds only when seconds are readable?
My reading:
11:02:42
